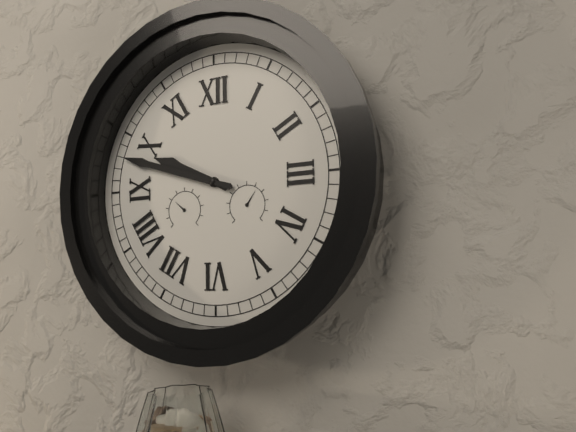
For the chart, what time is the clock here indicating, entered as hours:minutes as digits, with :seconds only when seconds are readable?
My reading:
9:48
